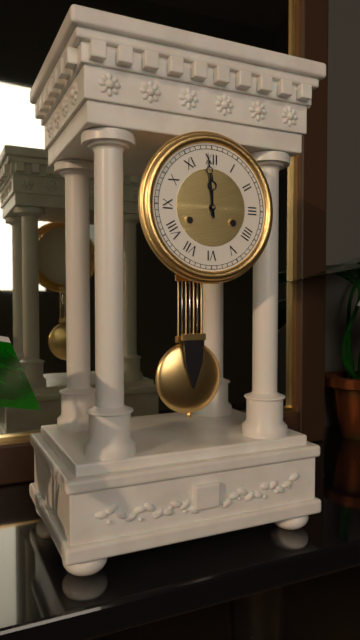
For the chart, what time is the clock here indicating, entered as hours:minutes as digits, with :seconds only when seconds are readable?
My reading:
11:59
